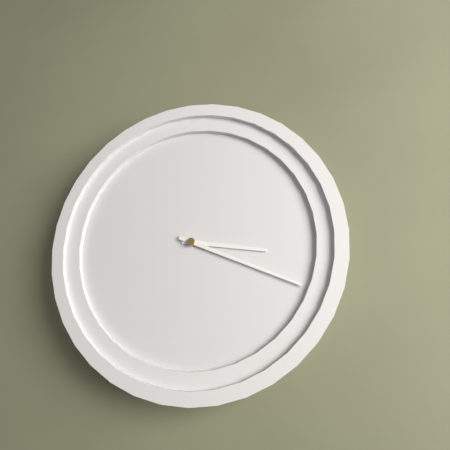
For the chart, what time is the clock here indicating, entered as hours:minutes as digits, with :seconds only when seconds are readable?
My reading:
3:19
